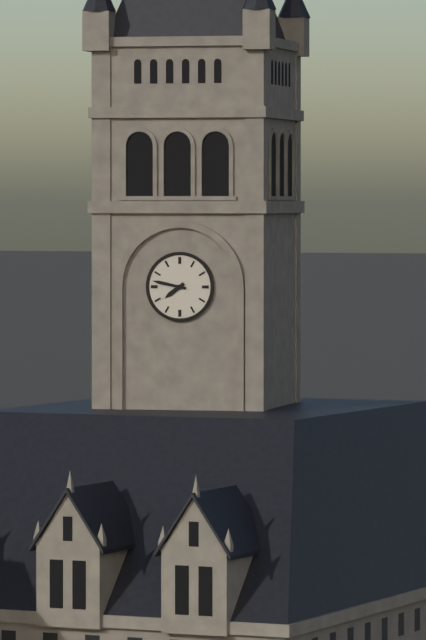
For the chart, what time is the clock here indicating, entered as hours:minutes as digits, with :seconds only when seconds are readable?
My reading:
7:47
